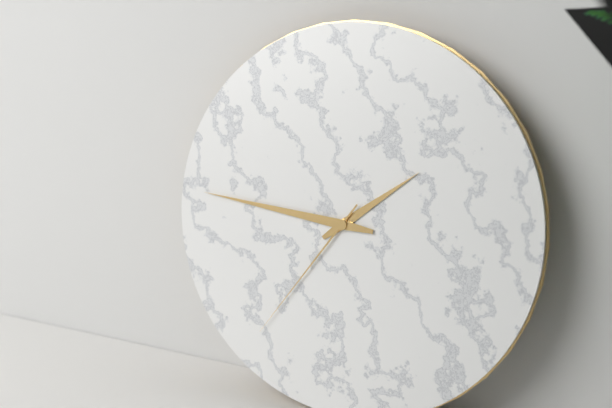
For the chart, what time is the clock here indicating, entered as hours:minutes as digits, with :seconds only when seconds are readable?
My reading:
1:46:36
